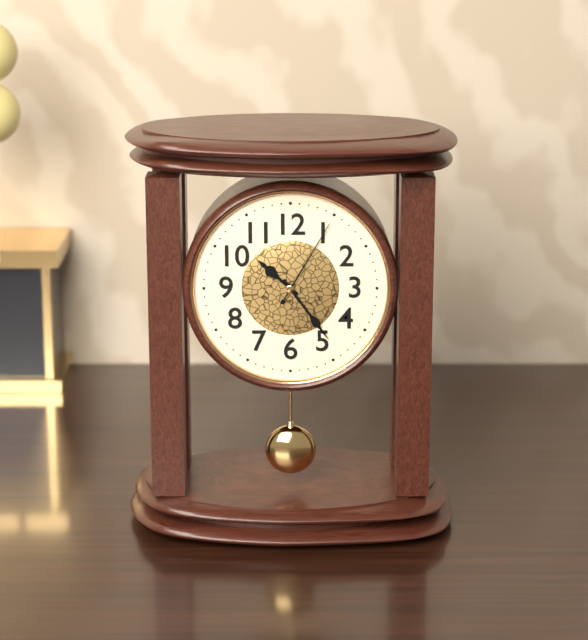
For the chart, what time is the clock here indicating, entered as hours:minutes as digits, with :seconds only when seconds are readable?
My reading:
10:24:05
